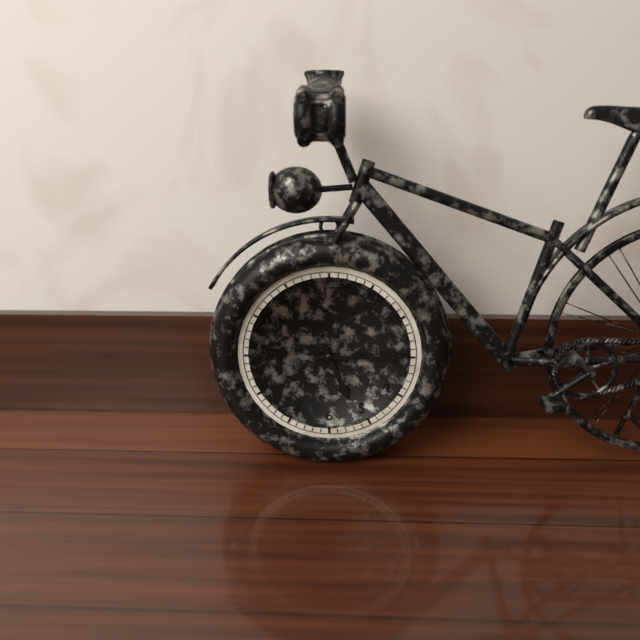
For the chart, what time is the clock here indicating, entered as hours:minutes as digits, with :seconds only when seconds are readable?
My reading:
5:15
